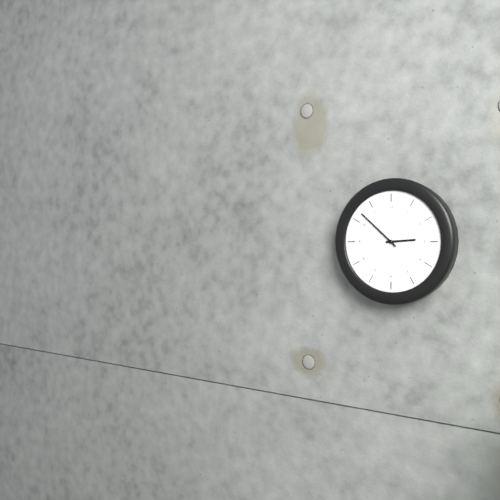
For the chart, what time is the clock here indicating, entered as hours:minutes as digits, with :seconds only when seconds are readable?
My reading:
2:52
